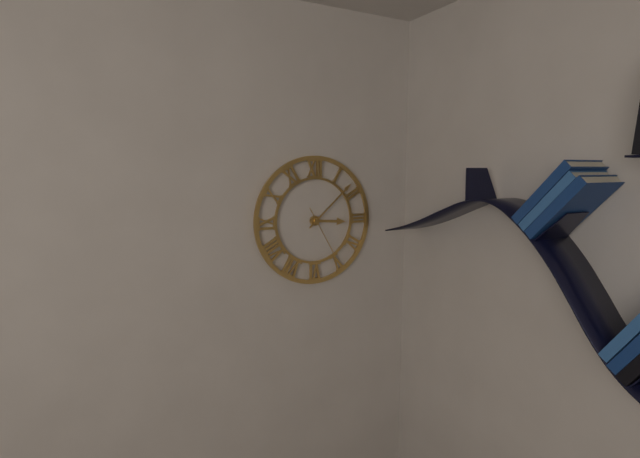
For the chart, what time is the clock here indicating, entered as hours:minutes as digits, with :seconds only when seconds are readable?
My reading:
3:08:25
